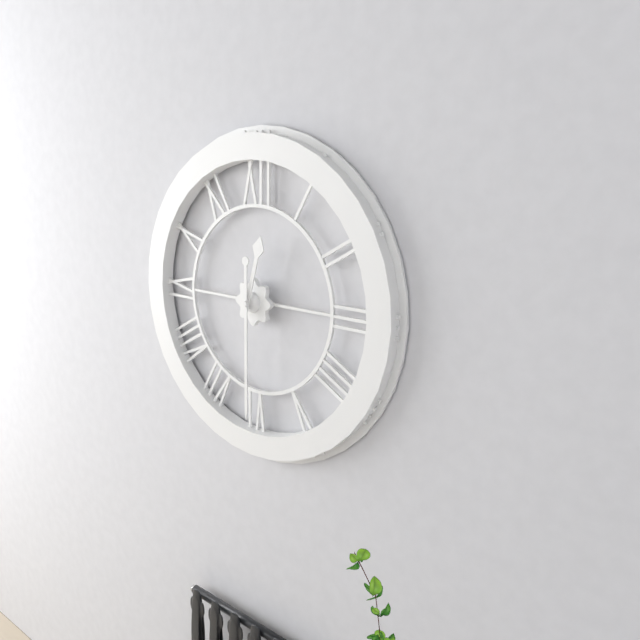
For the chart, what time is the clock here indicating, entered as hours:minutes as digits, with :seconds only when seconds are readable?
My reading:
12:30
